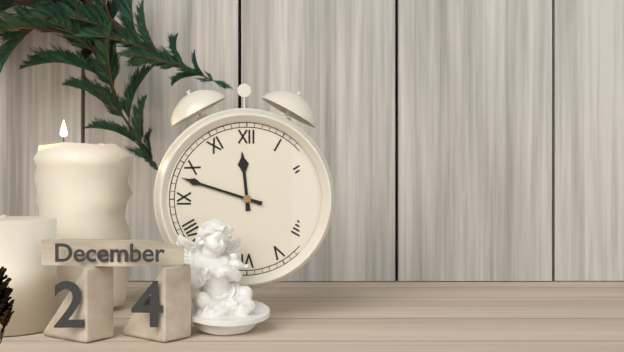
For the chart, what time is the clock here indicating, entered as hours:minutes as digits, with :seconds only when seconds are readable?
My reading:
11:48
